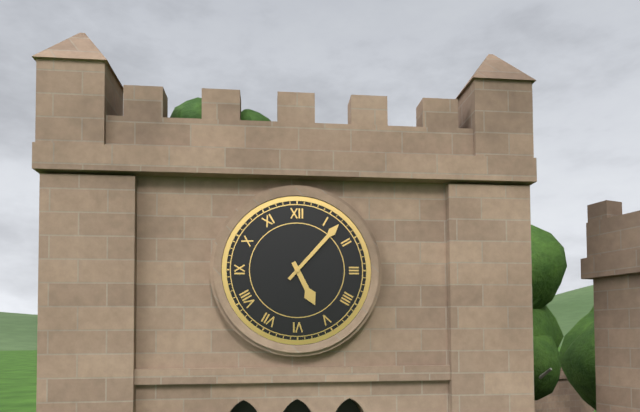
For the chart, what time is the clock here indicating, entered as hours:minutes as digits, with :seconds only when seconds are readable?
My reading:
5:07
